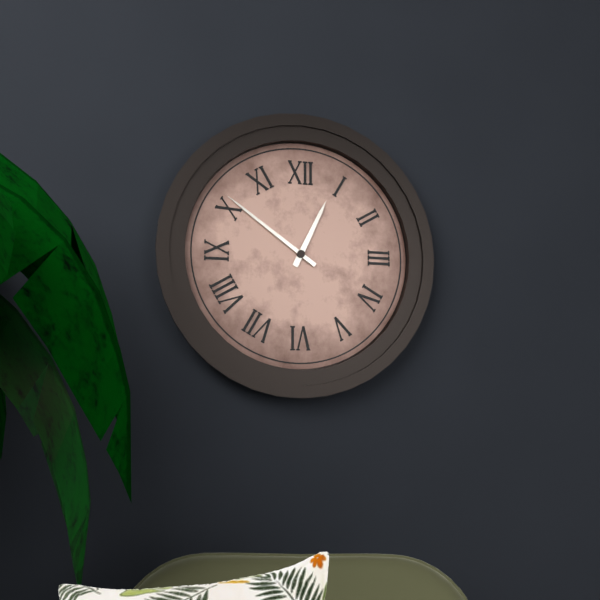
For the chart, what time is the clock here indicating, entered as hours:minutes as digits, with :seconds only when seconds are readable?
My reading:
12:51
